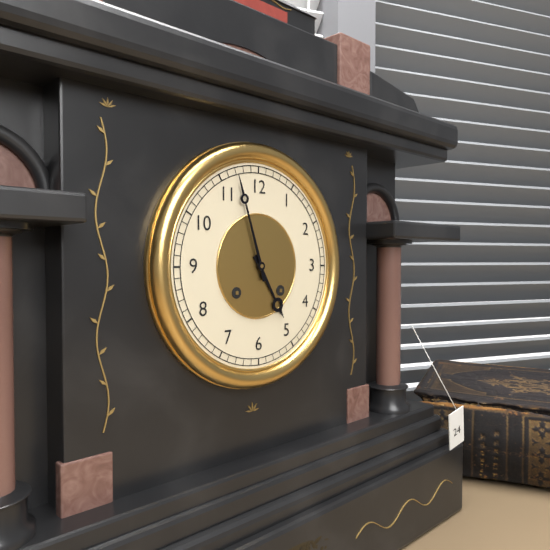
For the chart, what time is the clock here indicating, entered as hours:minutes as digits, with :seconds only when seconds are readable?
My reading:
4:57
